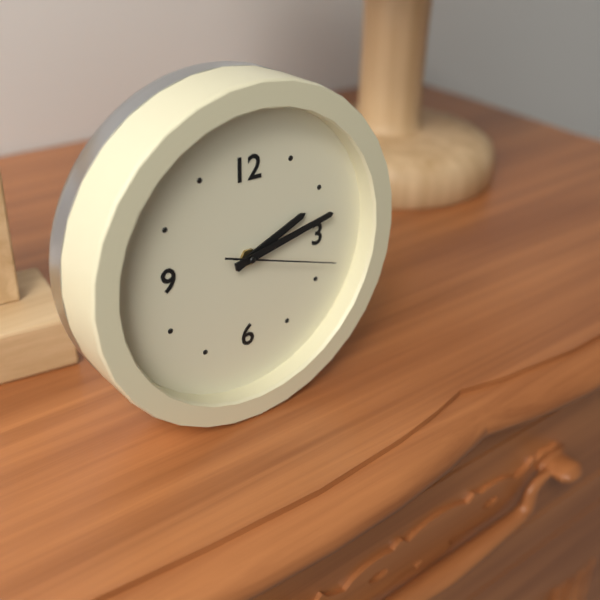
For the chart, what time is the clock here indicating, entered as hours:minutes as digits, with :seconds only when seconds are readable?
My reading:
2:13:18
